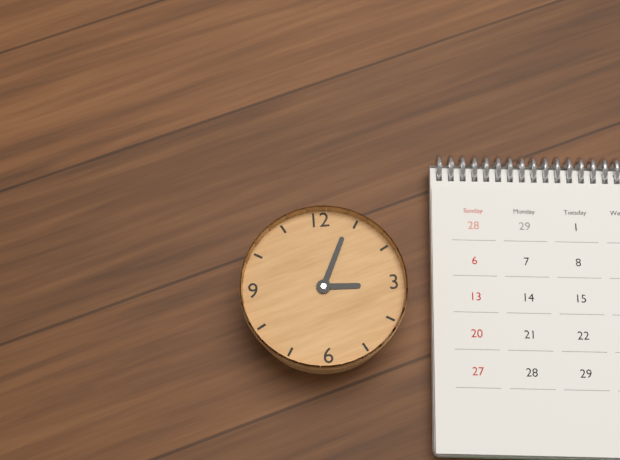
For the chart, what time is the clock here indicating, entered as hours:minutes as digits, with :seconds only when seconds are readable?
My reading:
3:04
